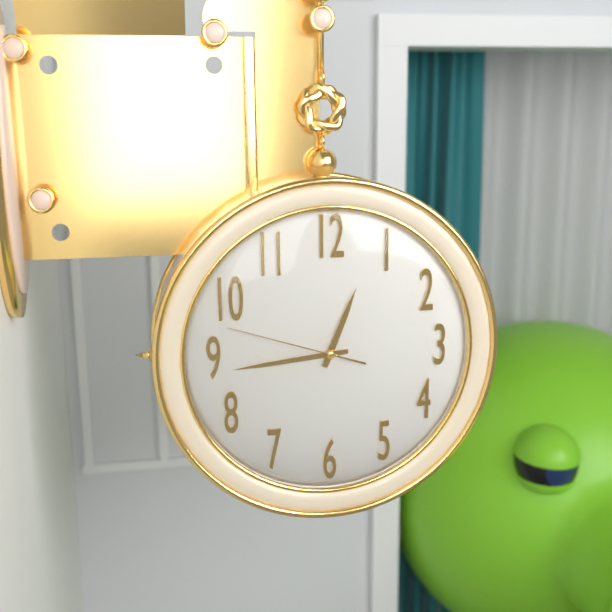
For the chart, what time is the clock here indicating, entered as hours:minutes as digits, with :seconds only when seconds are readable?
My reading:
12:44:48
